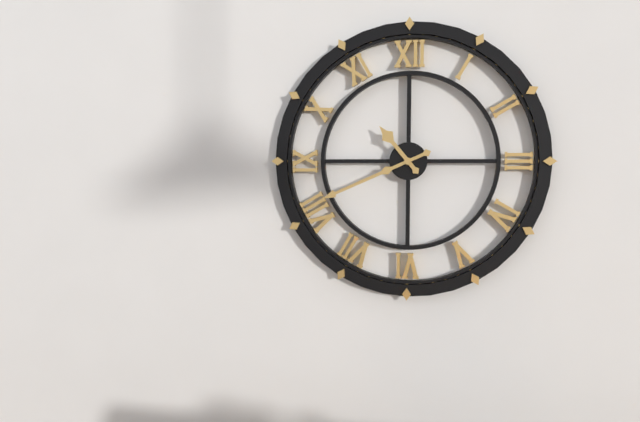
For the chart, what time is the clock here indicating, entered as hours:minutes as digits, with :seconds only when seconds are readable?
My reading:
10:41
